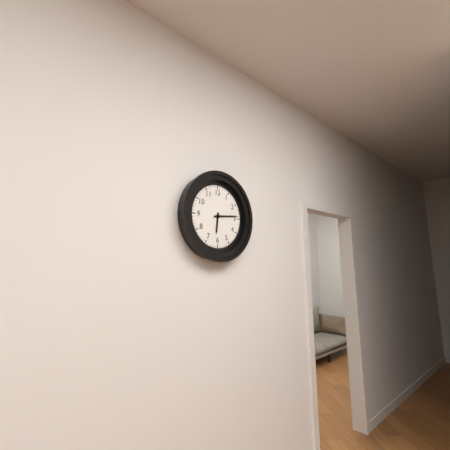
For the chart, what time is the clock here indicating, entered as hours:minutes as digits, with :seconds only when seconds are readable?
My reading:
6:14
